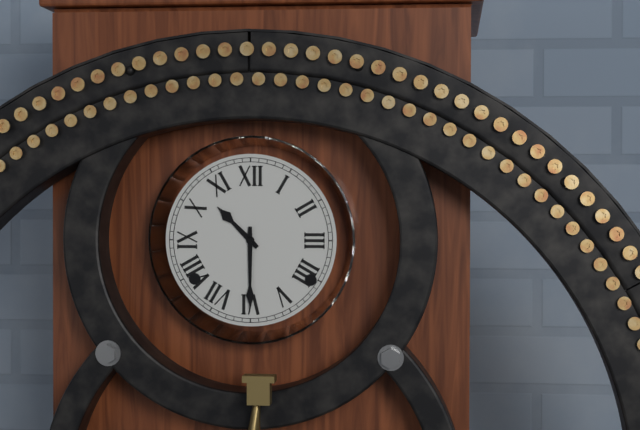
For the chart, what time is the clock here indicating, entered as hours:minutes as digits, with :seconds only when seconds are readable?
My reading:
10:30
